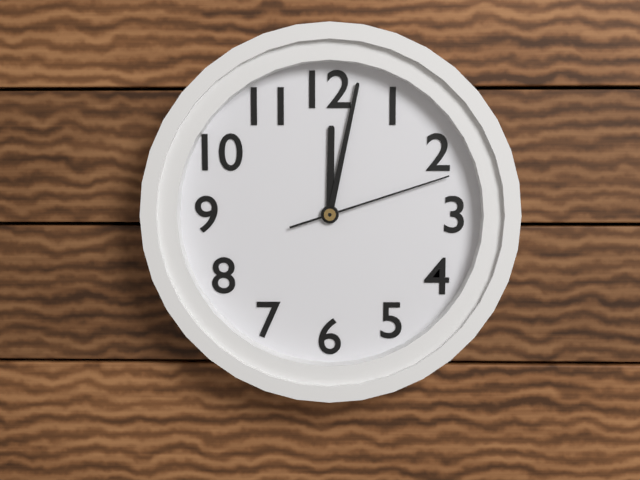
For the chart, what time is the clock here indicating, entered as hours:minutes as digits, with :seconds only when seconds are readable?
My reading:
12:02:12
